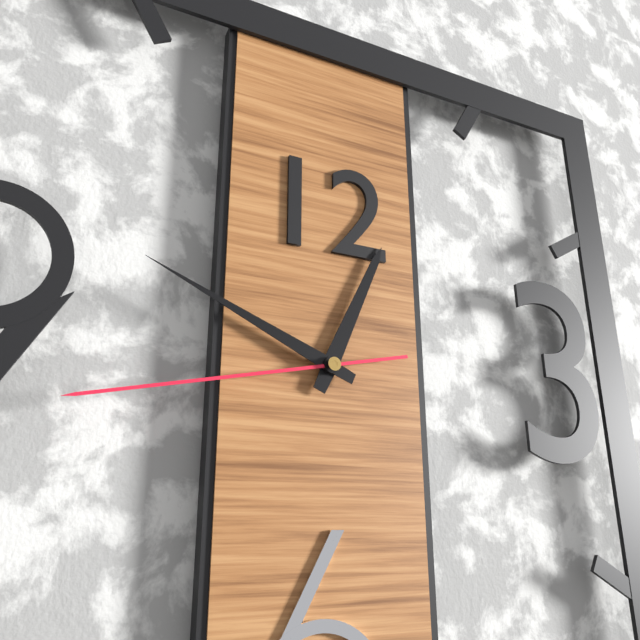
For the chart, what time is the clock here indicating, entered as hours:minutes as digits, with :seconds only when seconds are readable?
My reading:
12:49:43
